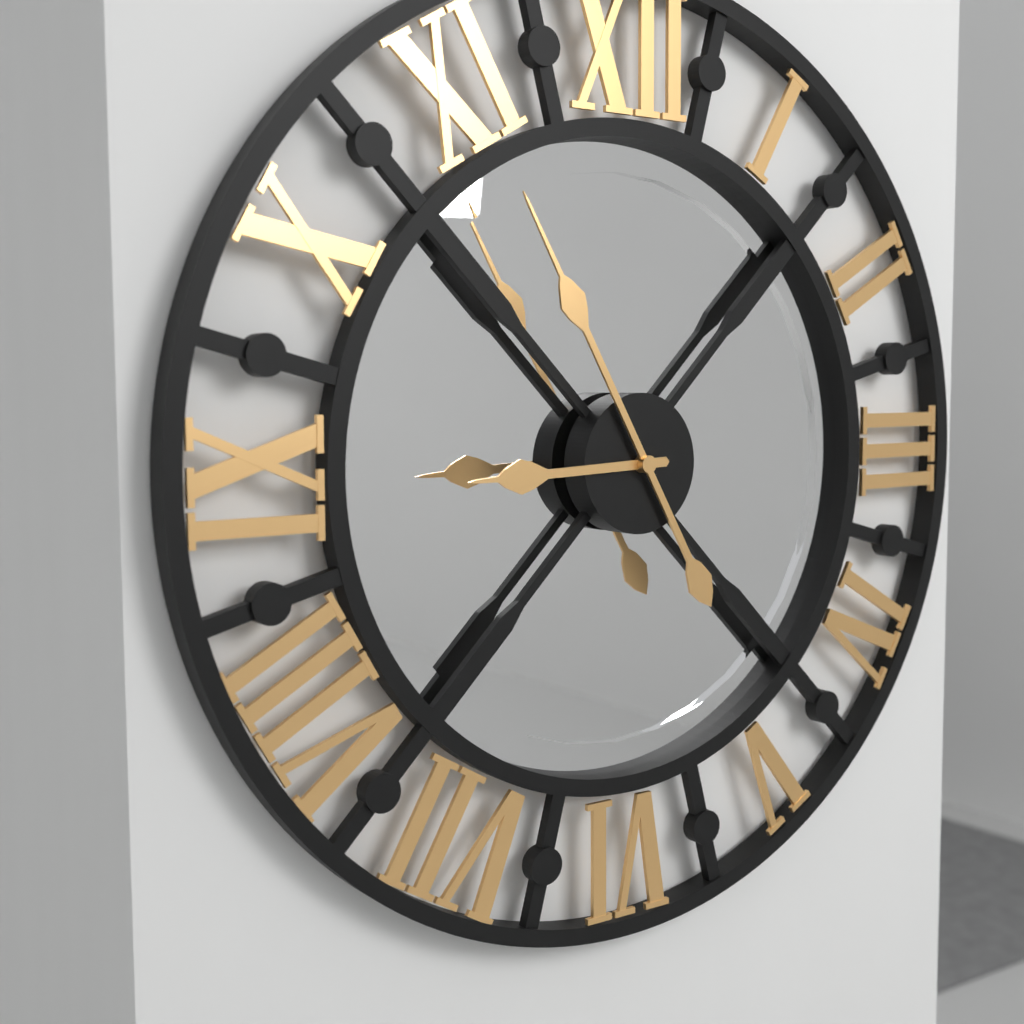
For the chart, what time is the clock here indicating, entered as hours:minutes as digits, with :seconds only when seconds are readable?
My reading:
8:55
